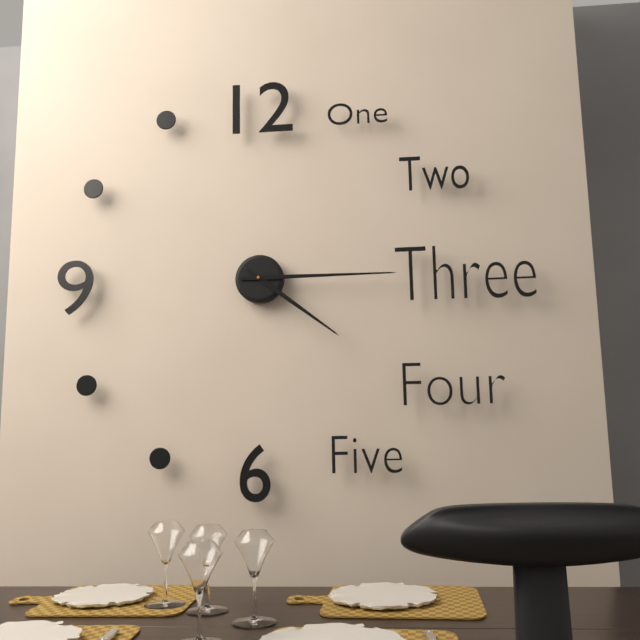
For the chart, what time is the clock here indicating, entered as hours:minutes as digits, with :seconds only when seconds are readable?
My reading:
4:15
